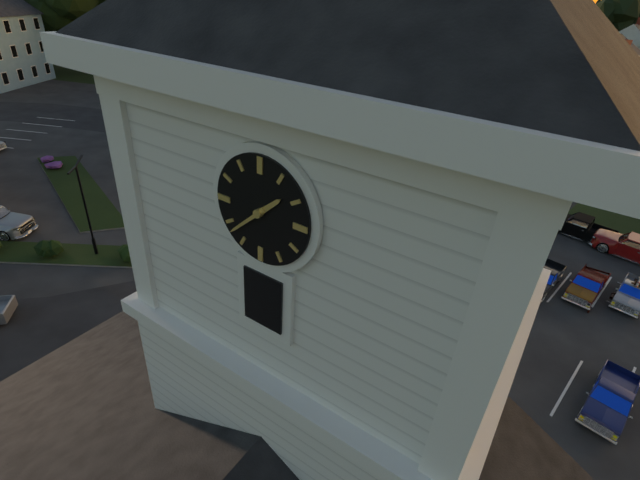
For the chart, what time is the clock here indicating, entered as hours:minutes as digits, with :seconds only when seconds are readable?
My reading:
1:38
